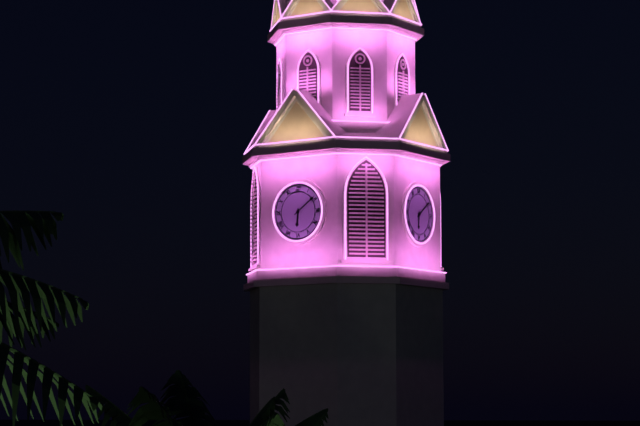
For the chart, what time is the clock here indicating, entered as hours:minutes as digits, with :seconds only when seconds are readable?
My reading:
6:09
